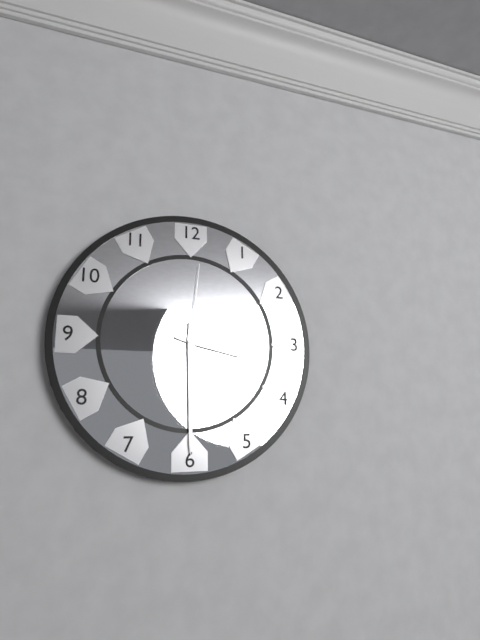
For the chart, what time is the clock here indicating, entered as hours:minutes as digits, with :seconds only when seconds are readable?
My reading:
3:30:01
